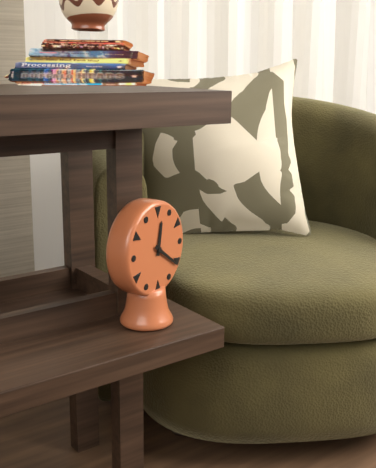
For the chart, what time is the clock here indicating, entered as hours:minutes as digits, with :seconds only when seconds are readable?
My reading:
12:21
